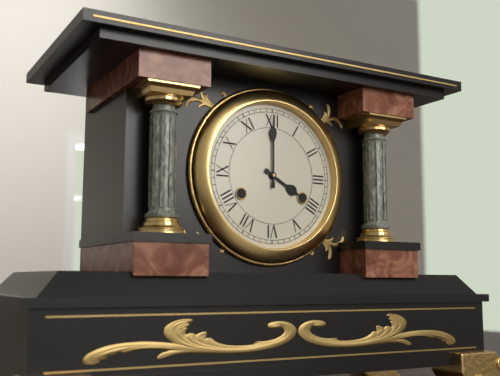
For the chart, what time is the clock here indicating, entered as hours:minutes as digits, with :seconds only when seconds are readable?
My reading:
4:00
